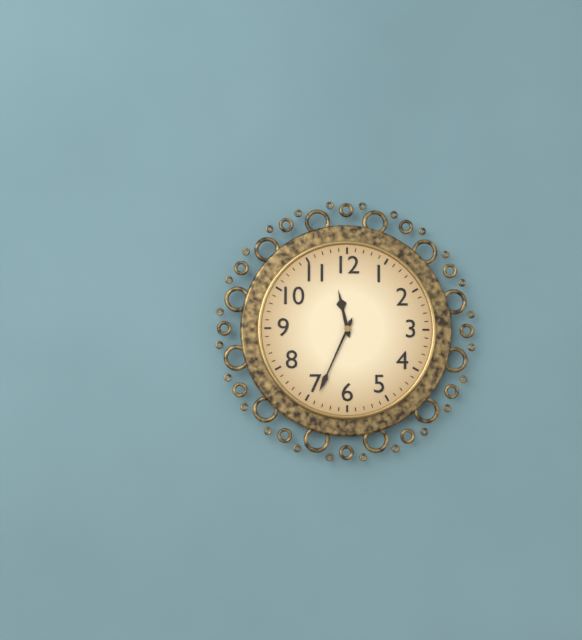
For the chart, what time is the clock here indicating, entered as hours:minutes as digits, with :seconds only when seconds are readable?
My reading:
11:34
